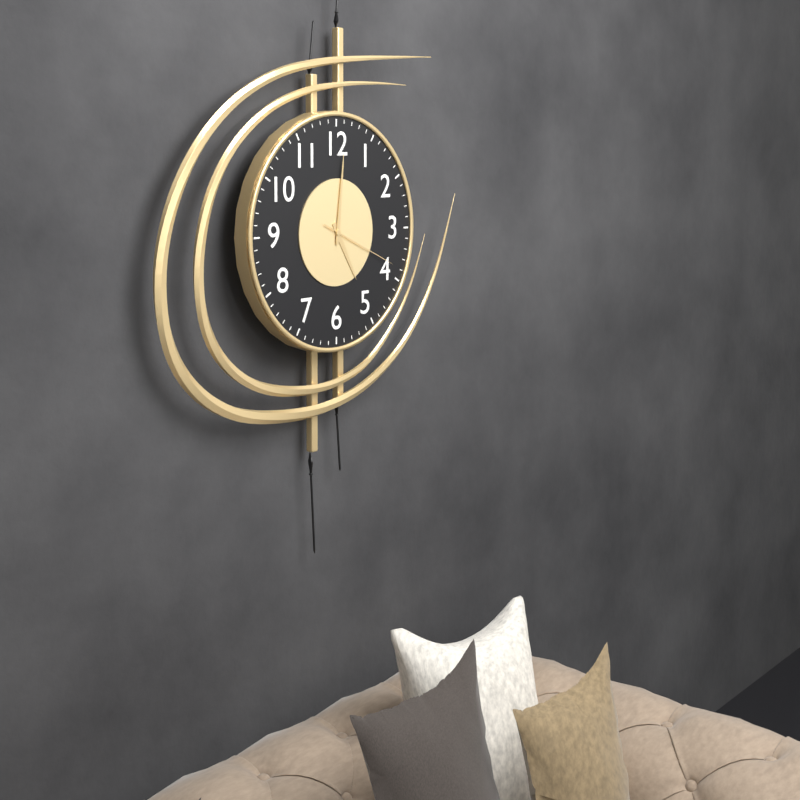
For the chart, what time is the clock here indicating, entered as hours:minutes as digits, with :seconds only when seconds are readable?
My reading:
5:01:19
